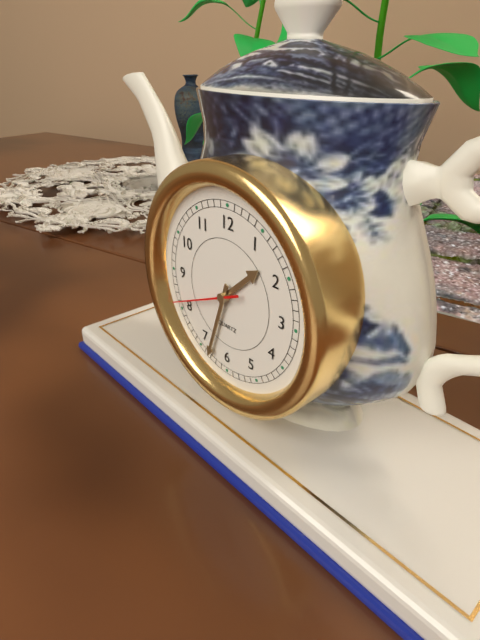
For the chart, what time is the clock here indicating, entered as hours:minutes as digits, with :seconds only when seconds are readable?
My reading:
1:33:41
